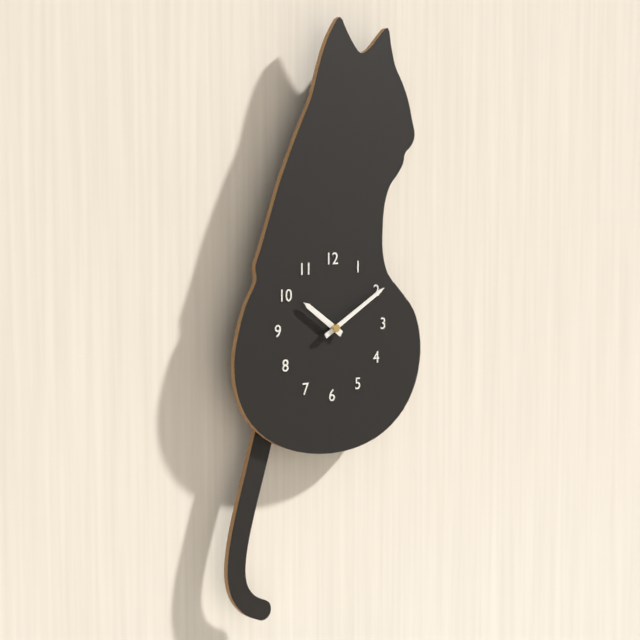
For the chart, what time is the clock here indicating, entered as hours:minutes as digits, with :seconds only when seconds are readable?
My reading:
10:10
